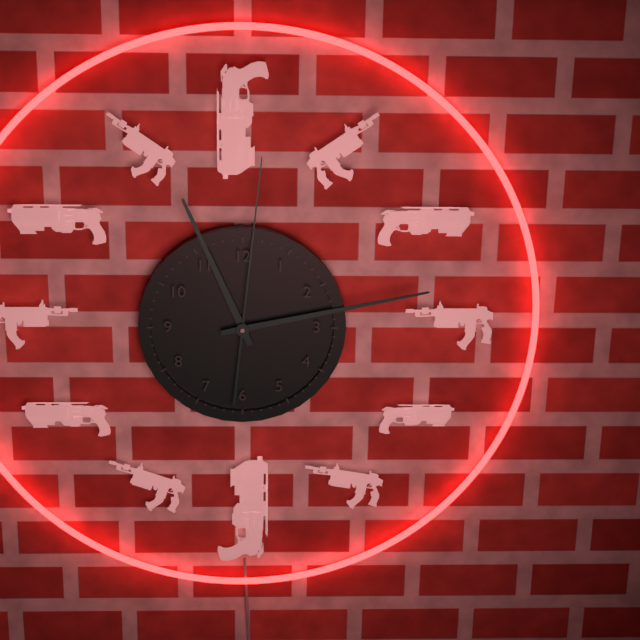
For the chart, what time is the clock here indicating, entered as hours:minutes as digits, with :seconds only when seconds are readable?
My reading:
11:13:01
